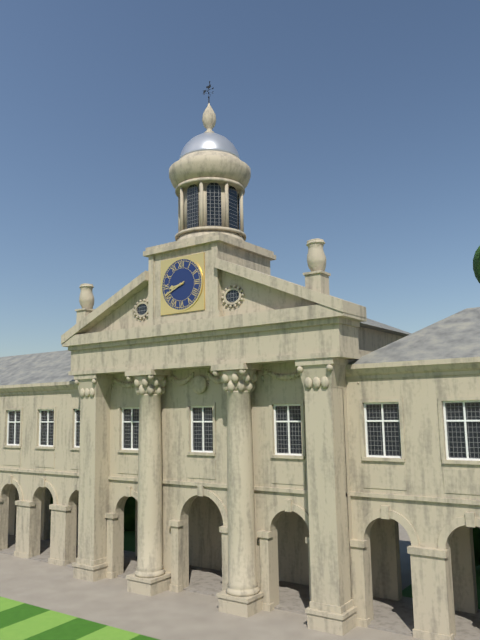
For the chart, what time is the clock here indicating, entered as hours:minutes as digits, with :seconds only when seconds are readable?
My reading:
8:41
